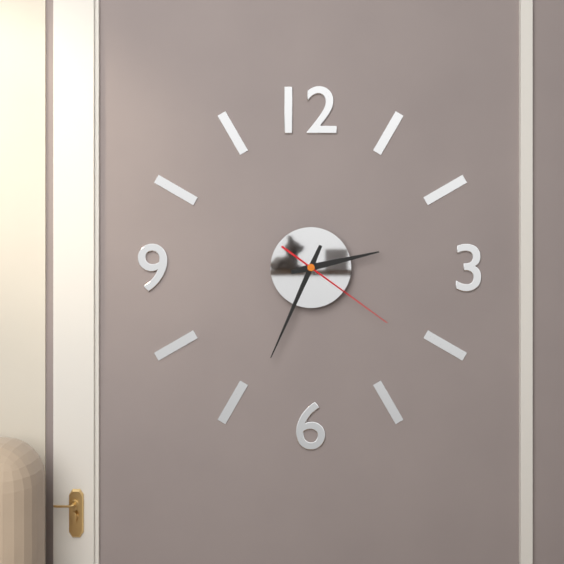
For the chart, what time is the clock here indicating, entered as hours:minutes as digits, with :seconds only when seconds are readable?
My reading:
2:34:21
